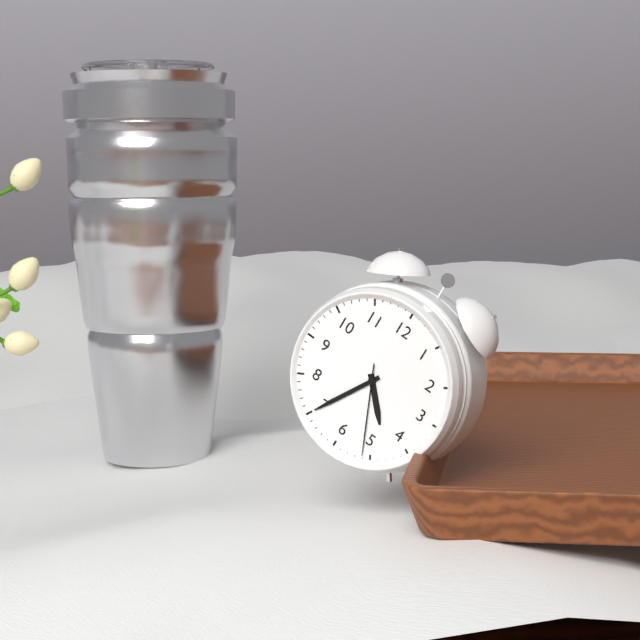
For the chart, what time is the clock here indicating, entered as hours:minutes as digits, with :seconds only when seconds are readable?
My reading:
4:35:26
